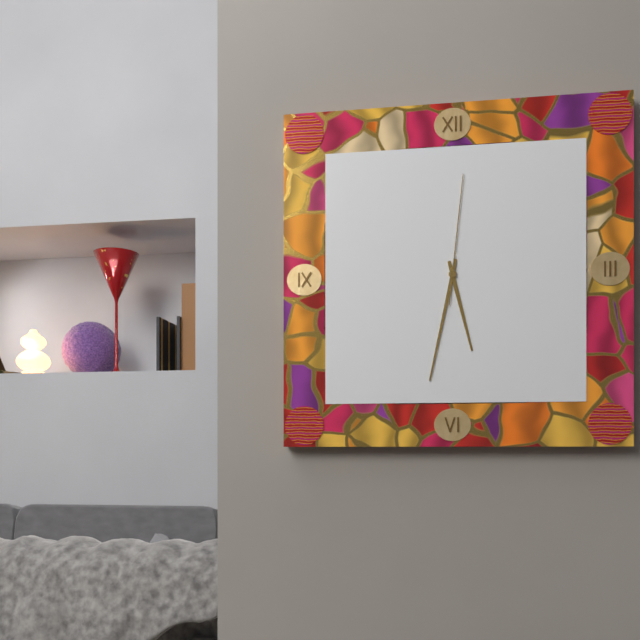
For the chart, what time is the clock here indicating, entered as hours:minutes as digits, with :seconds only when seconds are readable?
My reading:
5:32:01
